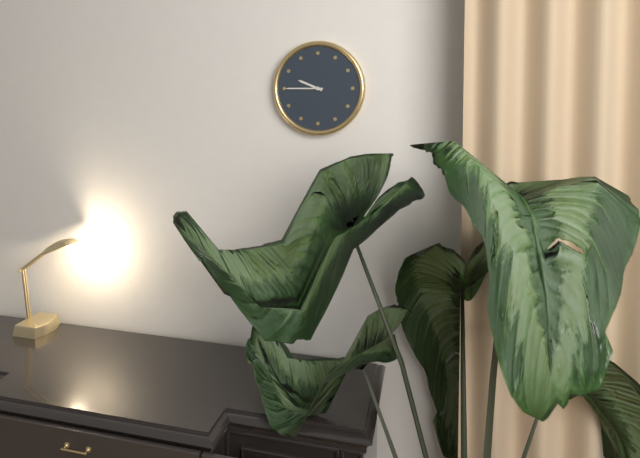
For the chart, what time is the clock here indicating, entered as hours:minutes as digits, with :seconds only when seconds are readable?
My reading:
9:45
